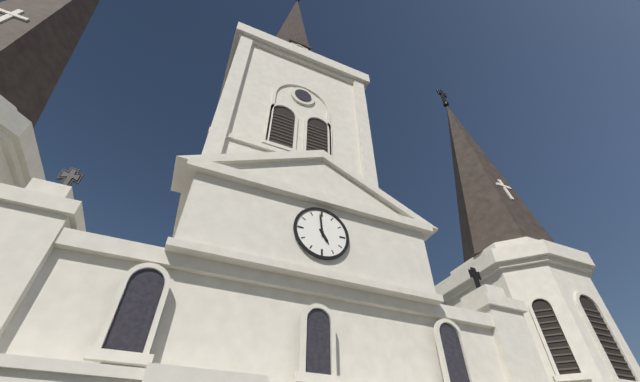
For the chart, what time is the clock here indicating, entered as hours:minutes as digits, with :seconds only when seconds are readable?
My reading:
4:59
